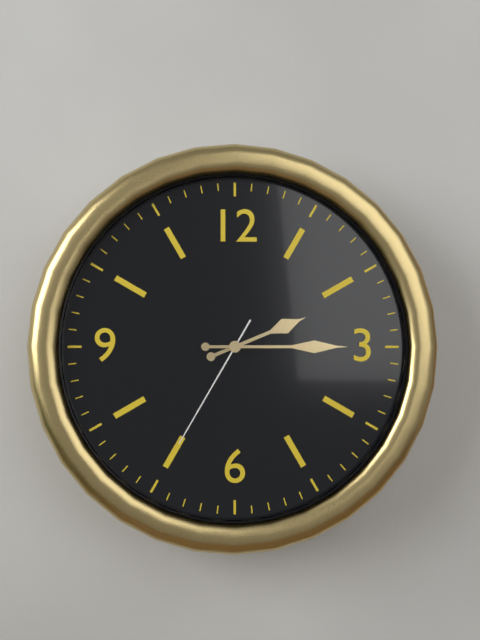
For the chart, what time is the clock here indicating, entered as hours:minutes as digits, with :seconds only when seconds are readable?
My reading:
2:15:35
